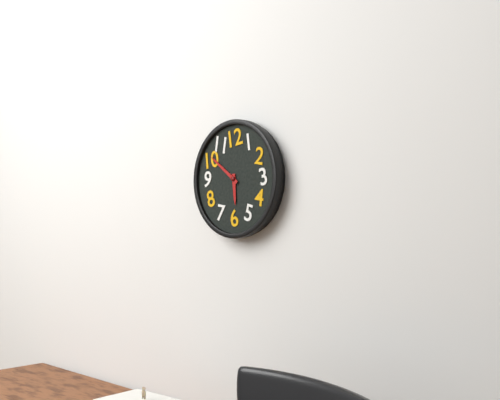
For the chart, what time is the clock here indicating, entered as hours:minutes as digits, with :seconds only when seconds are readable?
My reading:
5:51
